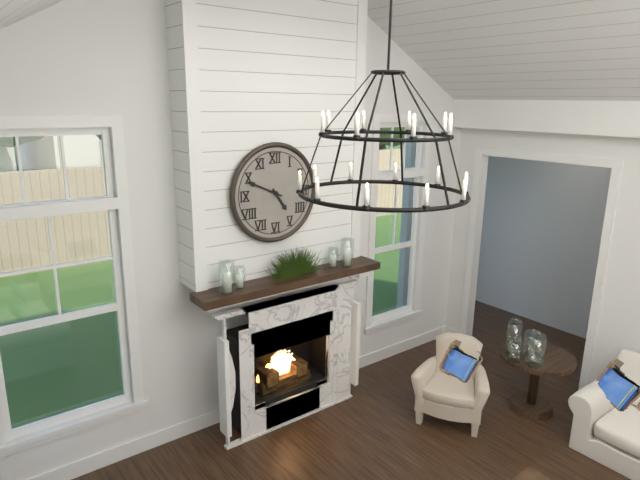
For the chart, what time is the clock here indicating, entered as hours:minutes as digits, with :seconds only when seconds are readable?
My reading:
4:49
